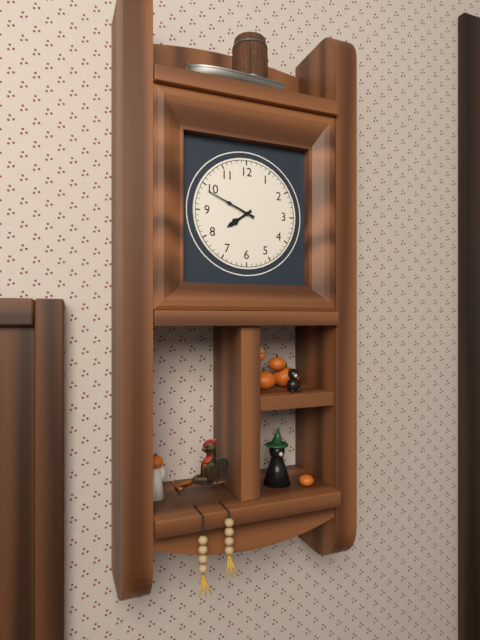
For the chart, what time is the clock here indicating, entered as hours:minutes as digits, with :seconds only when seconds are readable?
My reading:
7:49
